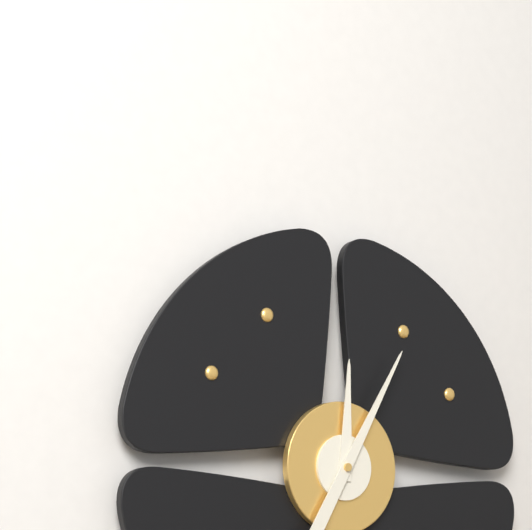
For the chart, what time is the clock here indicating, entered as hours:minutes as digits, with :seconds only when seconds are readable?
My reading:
12:05
